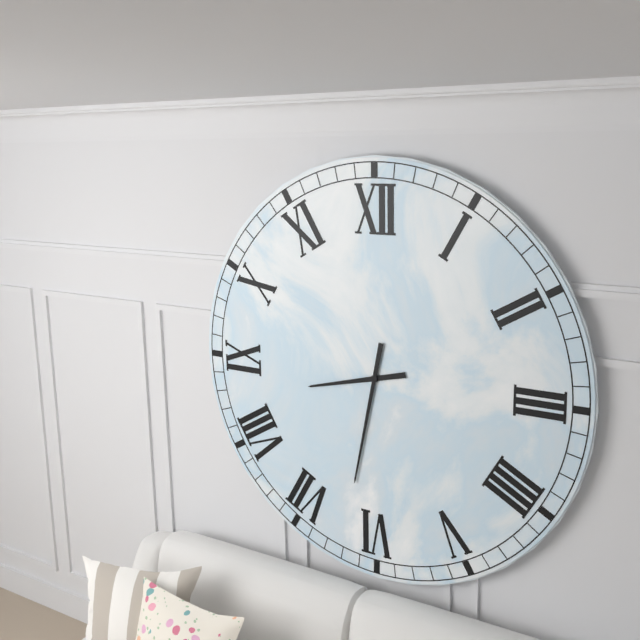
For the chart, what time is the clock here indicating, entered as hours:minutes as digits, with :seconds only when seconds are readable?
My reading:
8:32
